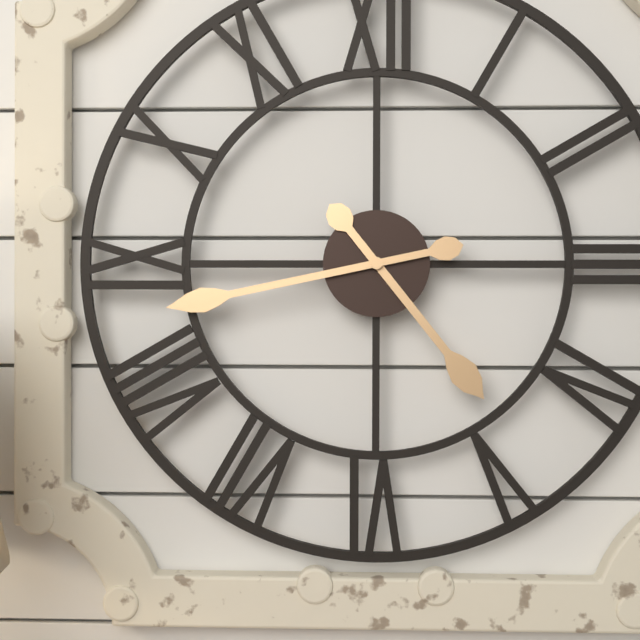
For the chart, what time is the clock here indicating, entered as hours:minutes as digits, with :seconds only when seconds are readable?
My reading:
4:43
